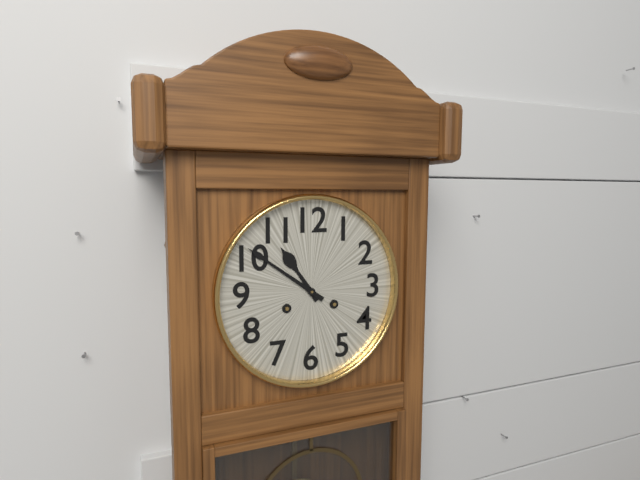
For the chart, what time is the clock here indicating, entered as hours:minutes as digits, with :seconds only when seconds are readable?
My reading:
10:51
